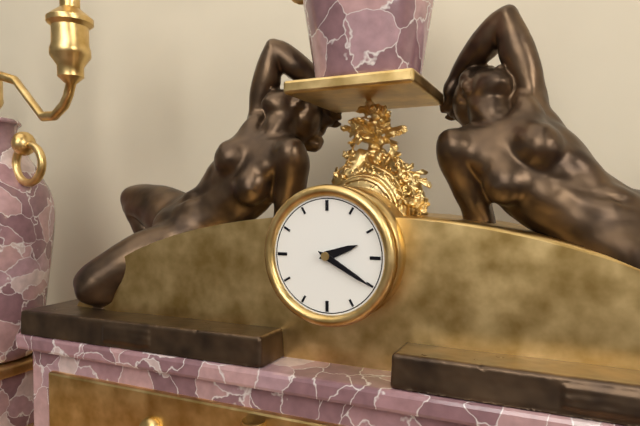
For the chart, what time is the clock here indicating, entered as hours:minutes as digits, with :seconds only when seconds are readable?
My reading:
2:20
